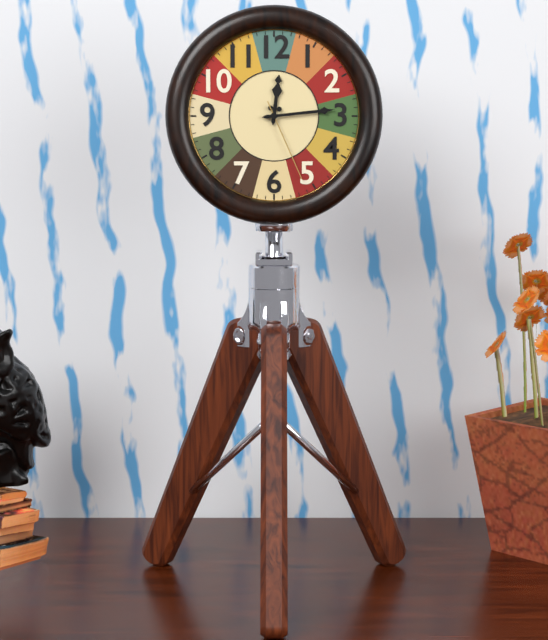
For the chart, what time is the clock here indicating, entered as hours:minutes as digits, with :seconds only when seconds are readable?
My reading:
12:14:26
